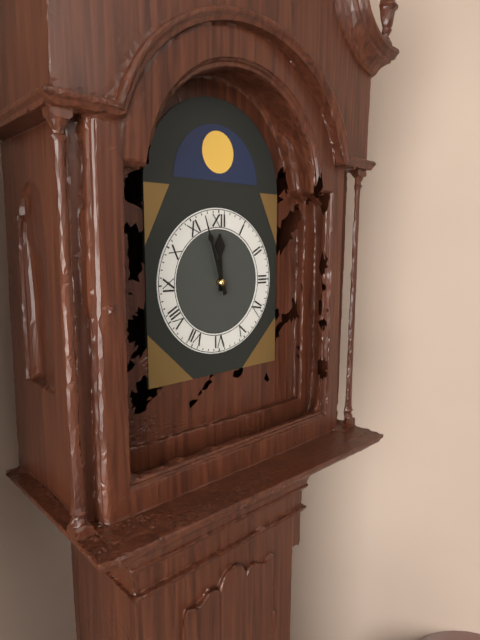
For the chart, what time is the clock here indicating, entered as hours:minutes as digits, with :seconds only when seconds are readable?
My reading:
11:57
